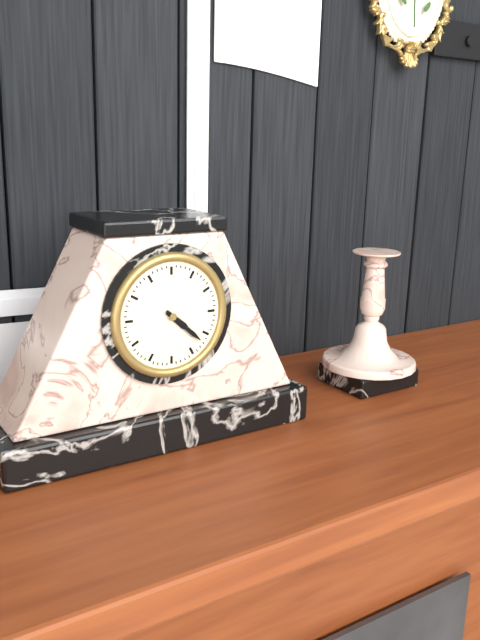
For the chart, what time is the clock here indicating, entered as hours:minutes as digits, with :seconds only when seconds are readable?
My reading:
4:22
